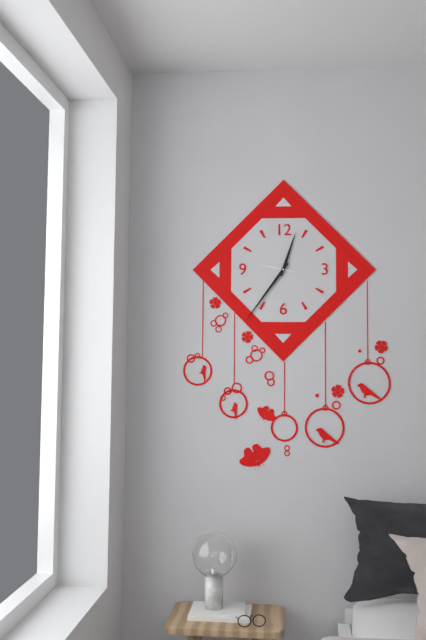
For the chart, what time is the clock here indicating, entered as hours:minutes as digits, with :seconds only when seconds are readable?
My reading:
12:36
